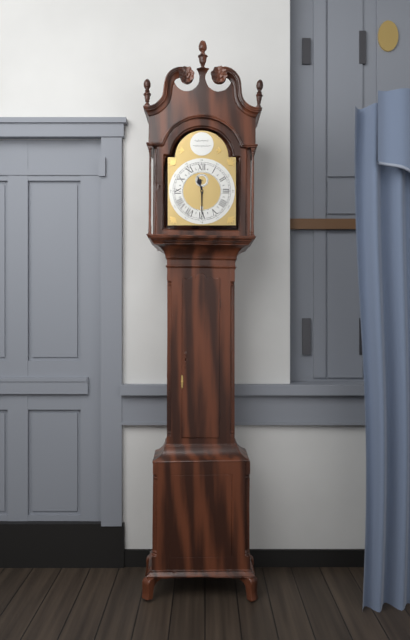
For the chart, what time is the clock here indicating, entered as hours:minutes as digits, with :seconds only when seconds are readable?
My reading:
11:30
